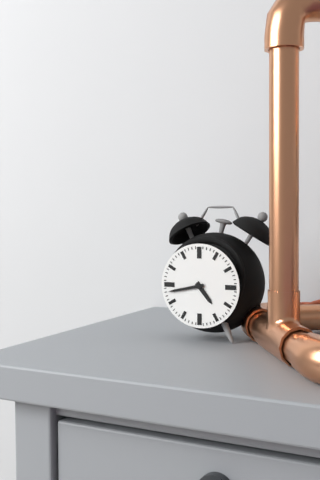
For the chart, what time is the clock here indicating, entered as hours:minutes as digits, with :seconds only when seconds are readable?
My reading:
4:43
